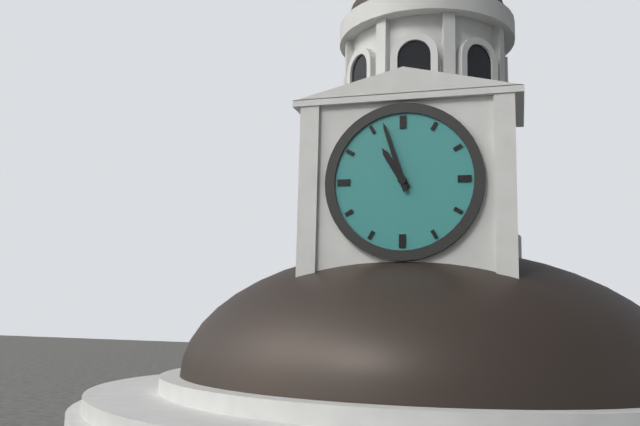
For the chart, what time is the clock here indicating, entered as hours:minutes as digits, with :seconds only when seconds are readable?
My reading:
10:57
